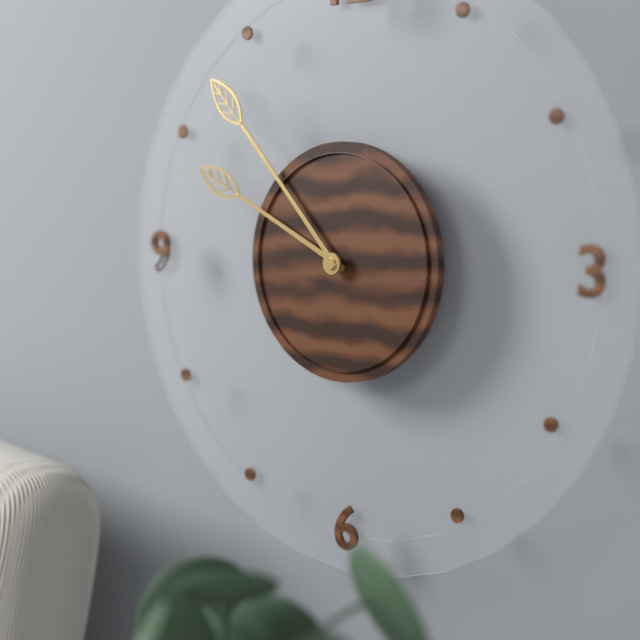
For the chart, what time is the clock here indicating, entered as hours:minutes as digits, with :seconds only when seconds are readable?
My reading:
9:53
